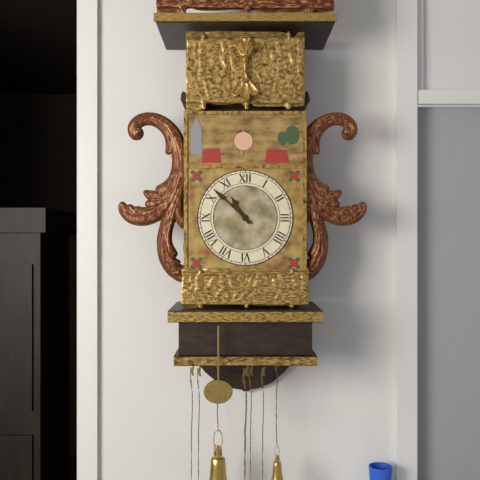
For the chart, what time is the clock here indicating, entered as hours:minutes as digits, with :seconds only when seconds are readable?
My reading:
10:52
